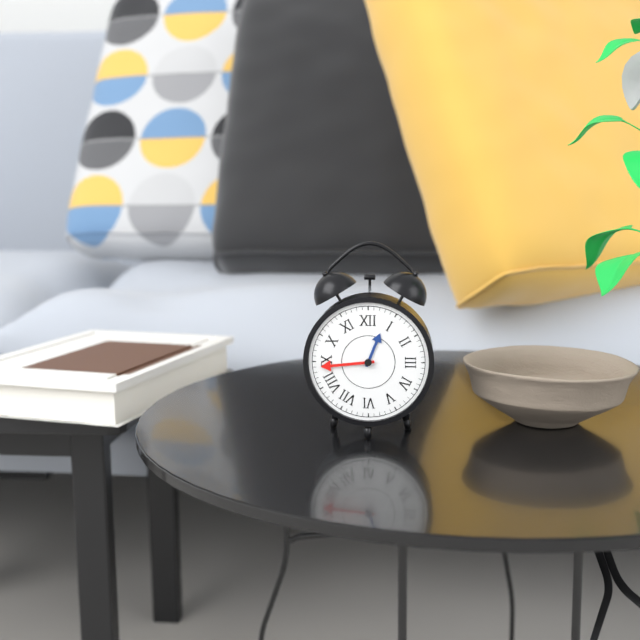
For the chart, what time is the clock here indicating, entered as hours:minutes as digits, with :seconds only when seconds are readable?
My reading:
12:44
